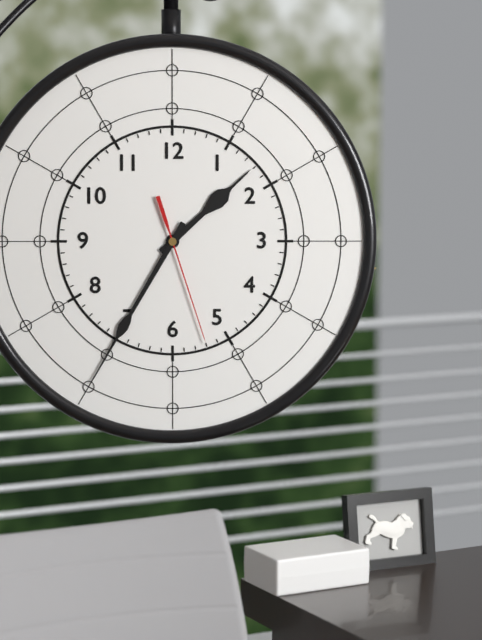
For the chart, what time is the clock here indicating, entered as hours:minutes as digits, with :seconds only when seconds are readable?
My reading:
1:35:27
